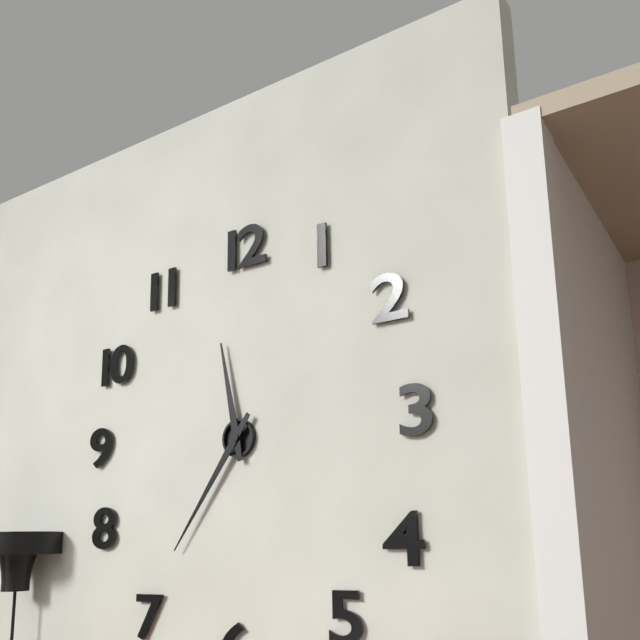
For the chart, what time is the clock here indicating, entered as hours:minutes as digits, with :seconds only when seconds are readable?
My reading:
11:36
